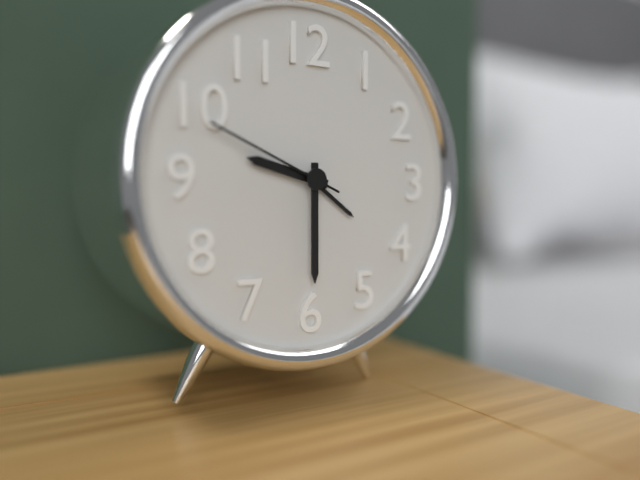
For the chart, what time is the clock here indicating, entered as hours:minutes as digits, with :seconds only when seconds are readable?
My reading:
9:30:49
